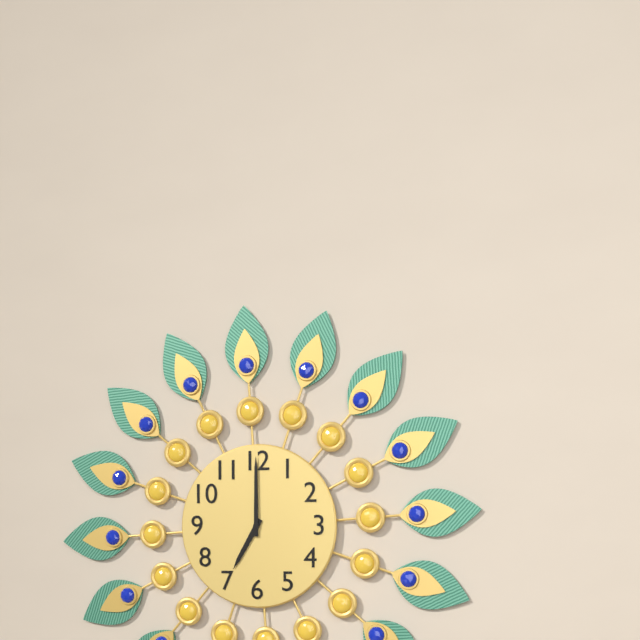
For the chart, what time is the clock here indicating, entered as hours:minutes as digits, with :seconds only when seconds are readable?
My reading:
7:00
